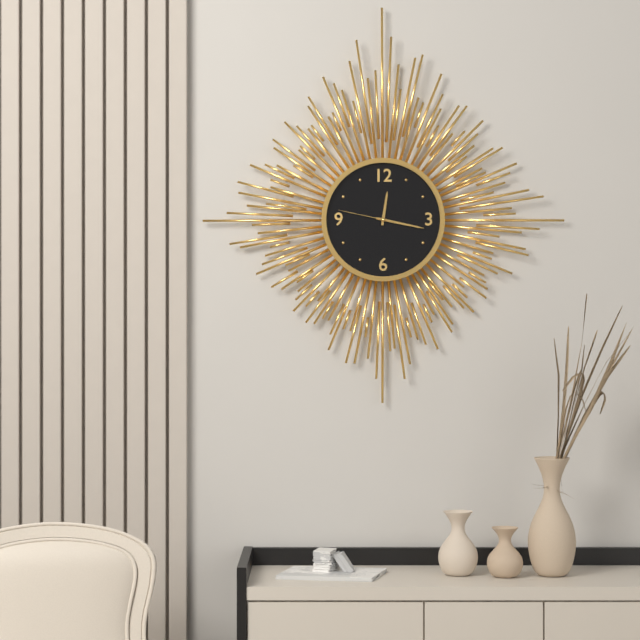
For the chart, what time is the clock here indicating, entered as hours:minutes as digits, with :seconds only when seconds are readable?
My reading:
12:17:47
